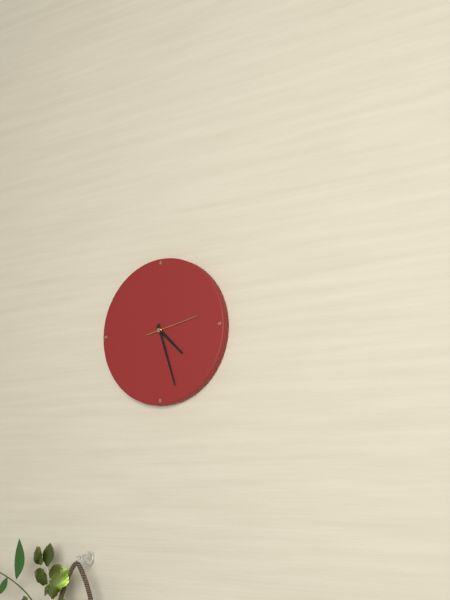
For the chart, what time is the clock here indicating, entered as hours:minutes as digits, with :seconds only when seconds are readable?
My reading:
4:27:13
